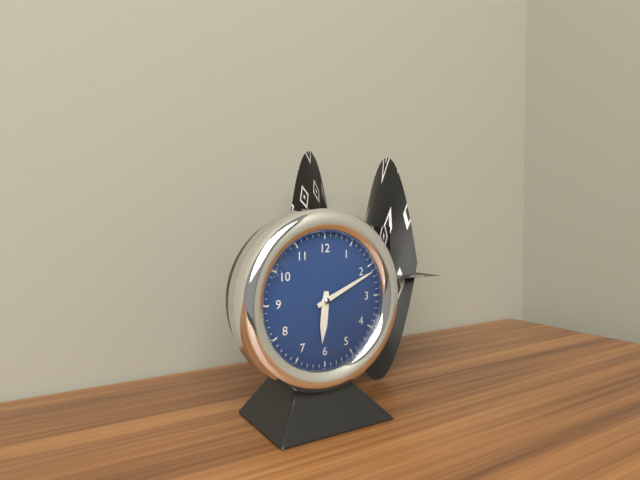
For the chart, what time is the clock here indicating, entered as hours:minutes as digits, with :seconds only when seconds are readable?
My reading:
6:11
